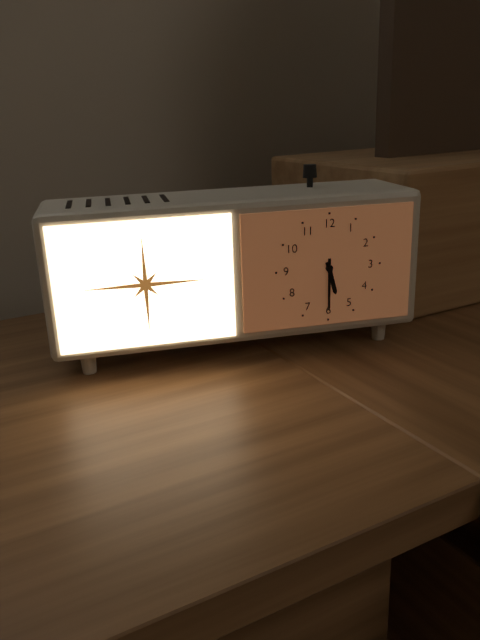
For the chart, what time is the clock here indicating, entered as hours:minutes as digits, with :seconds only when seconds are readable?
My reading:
5:30
